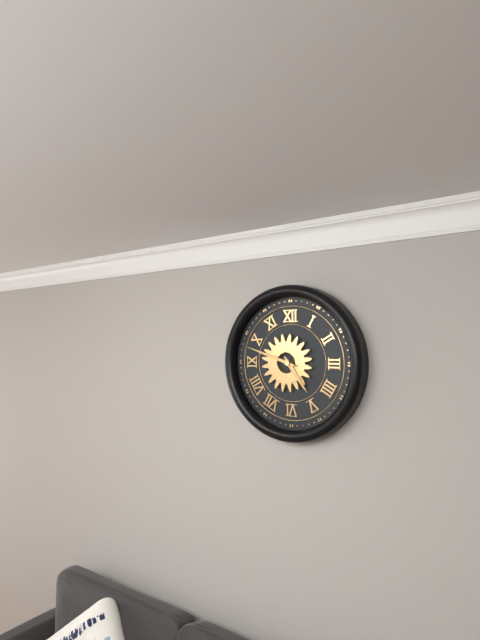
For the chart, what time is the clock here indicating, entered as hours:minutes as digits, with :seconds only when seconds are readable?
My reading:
4:48
